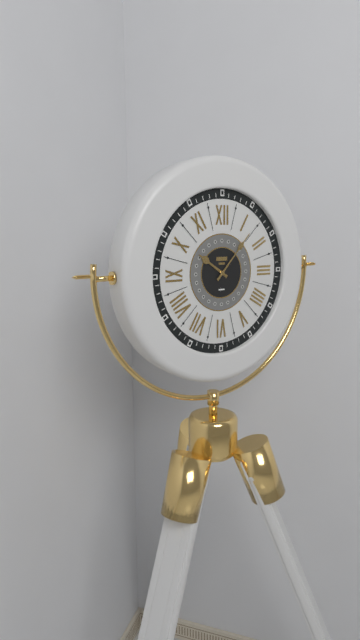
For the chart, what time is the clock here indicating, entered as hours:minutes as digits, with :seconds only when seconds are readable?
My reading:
10:07
